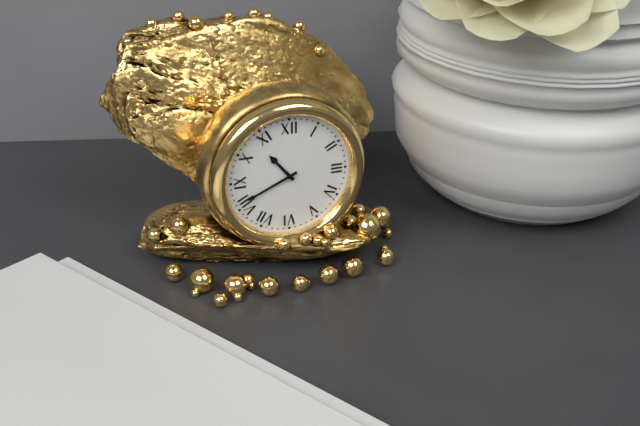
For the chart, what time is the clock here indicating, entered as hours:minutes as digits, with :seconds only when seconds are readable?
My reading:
10:41
